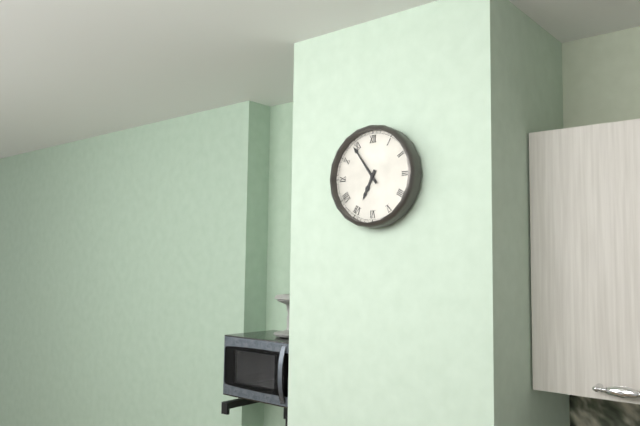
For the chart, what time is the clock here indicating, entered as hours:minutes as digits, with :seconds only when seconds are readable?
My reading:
6:54
